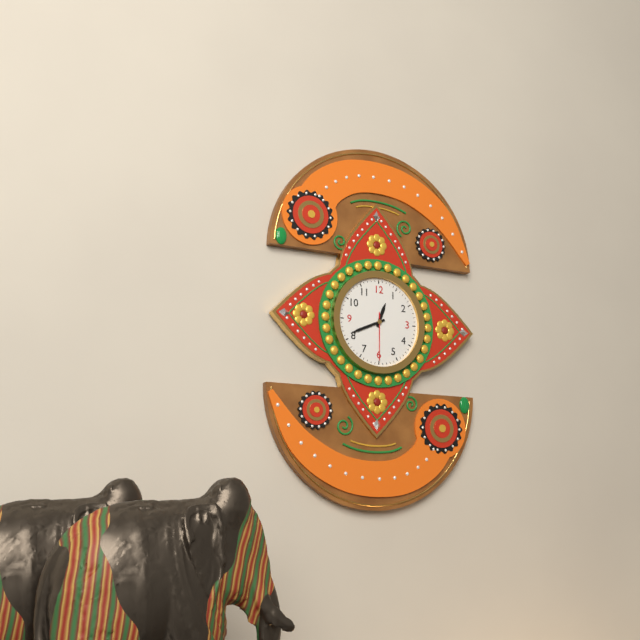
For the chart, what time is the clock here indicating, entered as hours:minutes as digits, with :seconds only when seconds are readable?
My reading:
12:41
